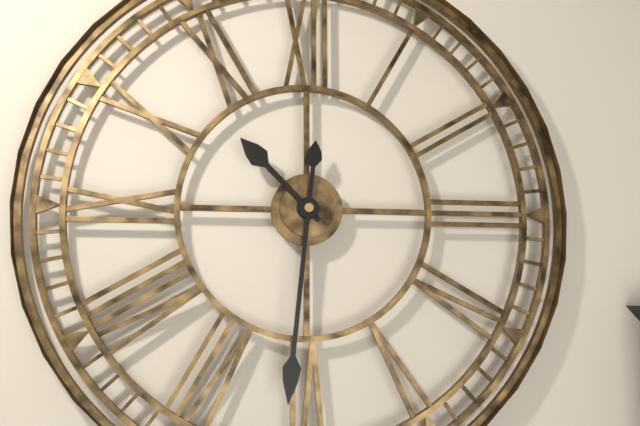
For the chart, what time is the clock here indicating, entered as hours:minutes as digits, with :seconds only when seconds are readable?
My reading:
10:31
